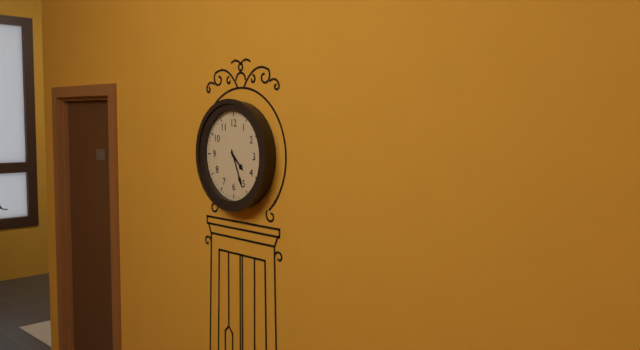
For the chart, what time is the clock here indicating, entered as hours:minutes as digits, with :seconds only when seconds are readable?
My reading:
4:26
